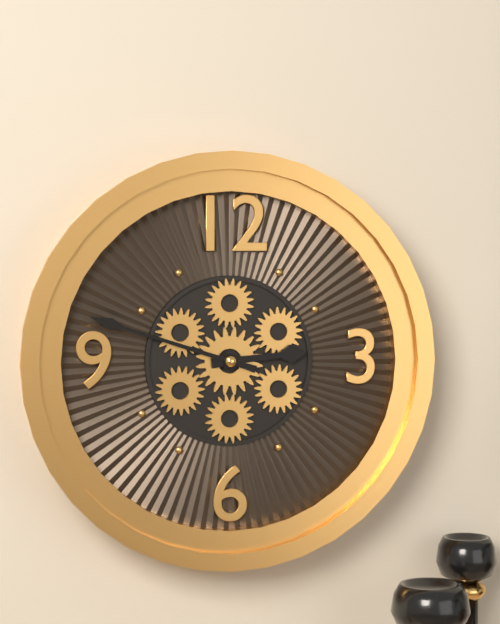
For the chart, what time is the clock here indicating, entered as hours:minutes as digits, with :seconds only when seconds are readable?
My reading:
2:48
